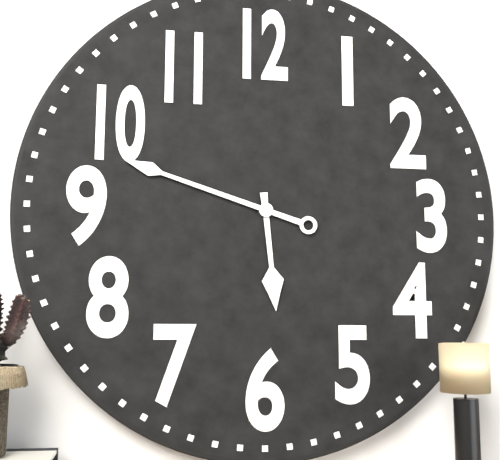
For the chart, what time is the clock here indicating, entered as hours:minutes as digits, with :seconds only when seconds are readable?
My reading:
5:48
